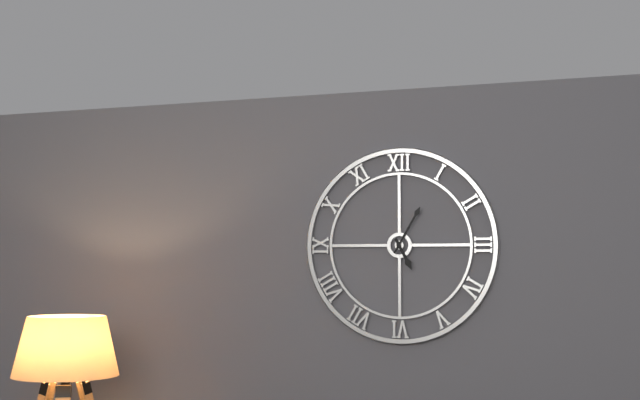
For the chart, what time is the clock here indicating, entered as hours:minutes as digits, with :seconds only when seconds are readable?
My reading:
5:05
